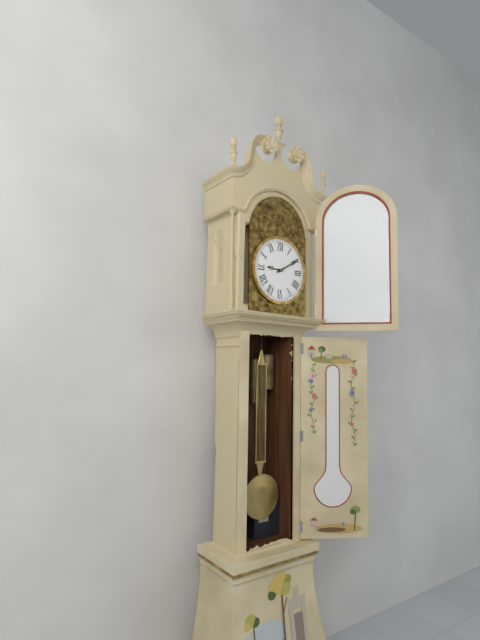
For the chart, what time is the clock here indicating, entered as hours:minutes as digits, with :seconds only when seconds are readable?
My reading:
9:10
